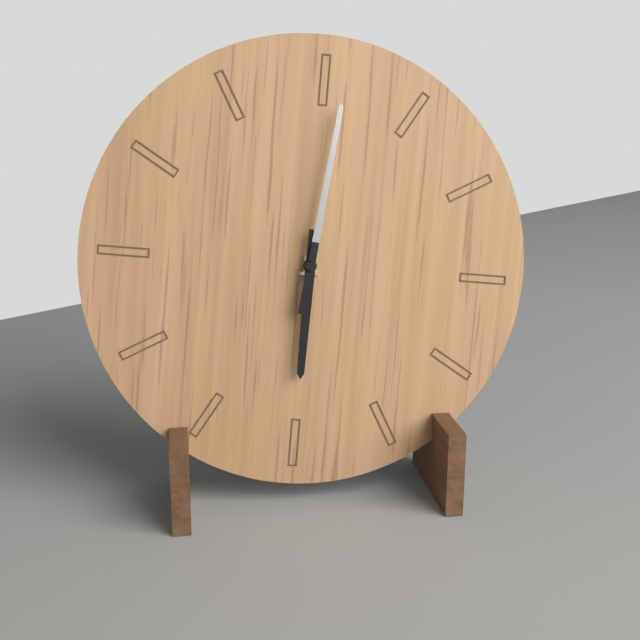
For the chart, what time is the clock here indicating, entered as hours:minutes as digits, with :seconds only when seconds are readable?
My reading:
6:01
